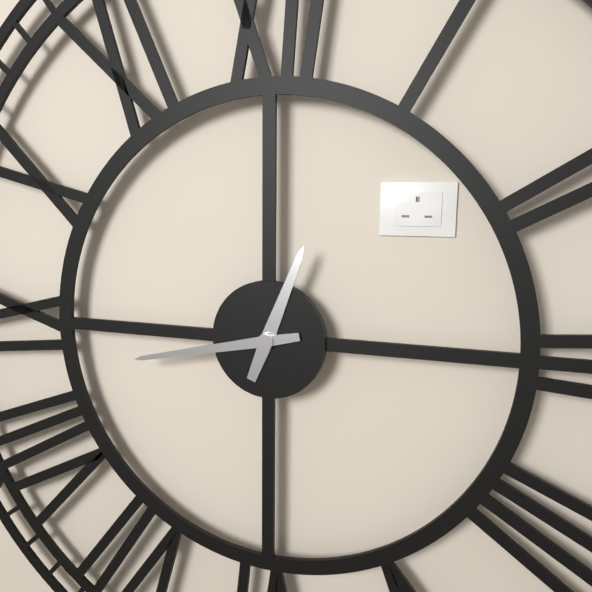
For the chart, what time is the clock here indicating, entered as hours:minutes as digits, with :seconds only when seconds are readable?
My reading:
12:43
